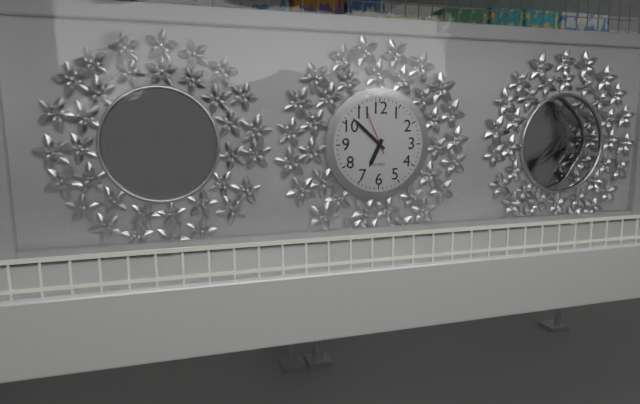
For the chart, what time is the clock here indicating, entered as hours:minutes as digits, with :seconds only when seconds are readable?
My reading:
6:52:56
